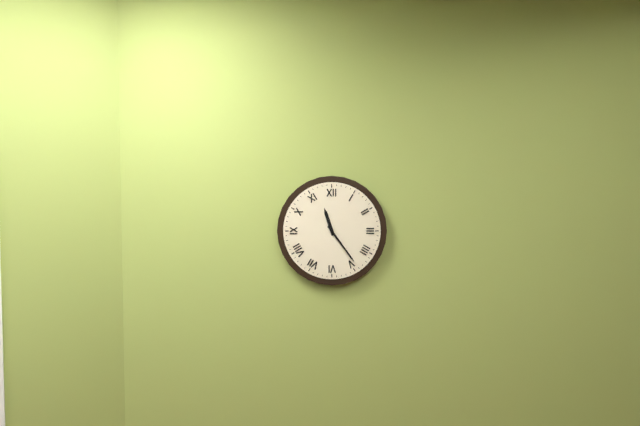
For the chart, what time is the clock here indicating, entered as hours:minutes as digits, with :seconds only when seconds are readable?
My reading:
11:24
